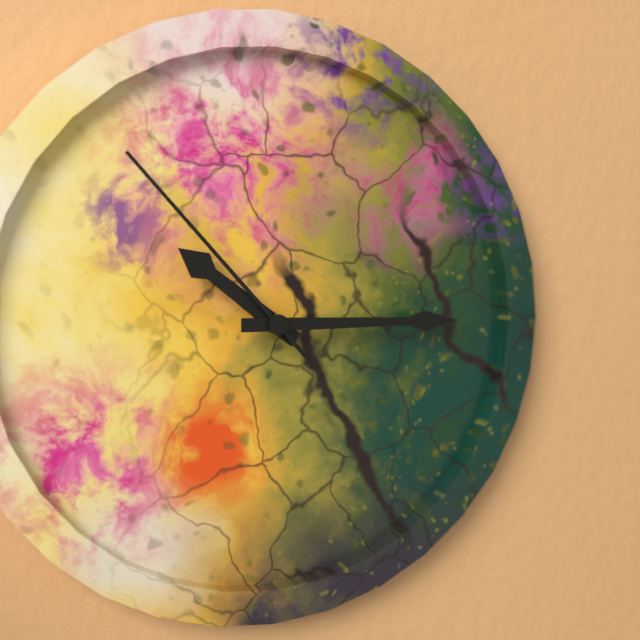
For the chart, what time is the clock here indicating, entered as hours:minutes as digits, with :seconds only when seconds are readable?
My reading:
10:15:53
